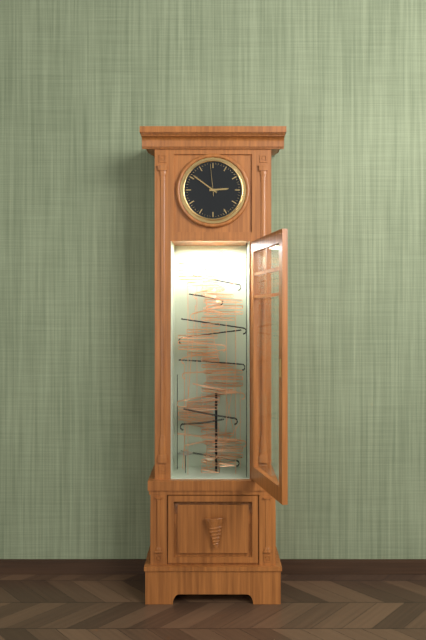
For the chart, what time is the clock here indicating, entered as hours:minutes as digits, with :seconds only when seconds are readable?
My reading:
2:51
